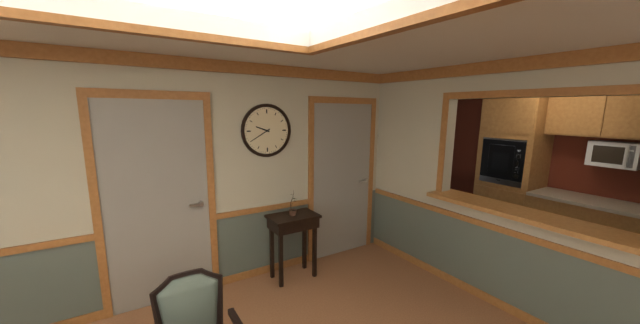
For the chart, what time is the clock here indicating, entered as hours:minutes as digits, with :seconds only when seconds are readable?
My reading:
9:40
